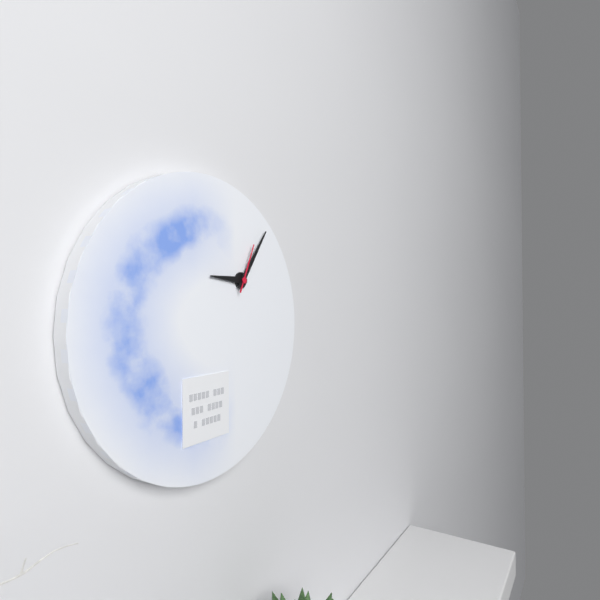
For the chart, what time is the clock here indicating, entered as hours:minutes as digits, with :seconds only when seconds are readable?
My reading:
9:06
